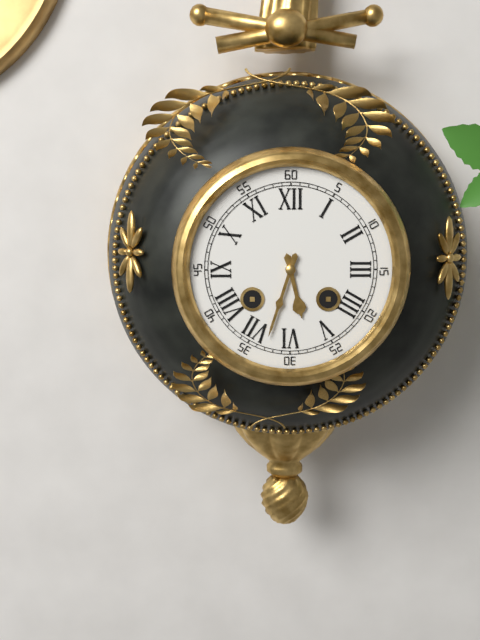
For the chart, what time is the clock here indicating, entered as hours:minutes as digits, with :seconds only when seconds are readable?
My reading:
5:33
